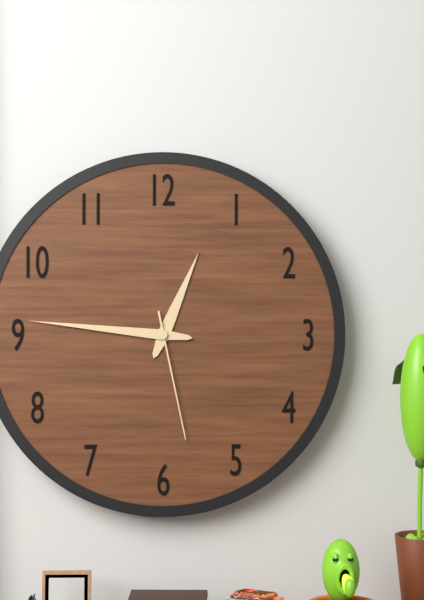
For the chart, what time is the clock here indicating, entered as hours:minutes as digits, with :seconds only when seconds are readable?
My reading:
12:46:28
